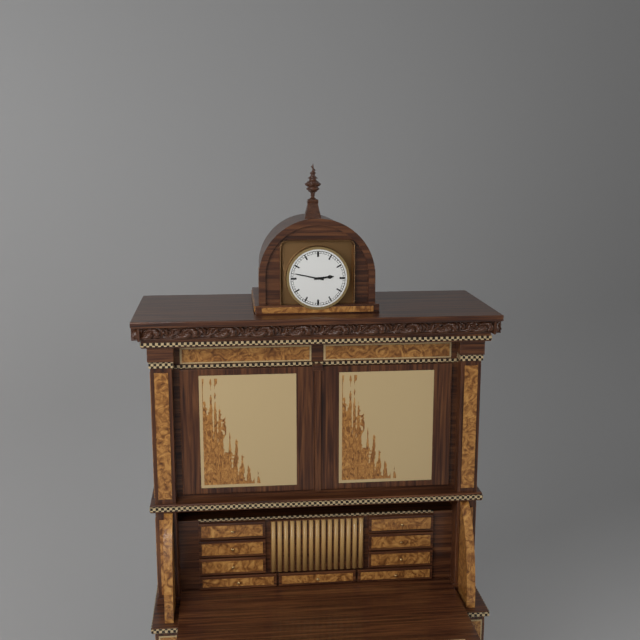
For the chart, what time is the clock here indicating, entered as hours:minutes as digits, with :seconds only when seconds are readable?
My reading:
2:47
